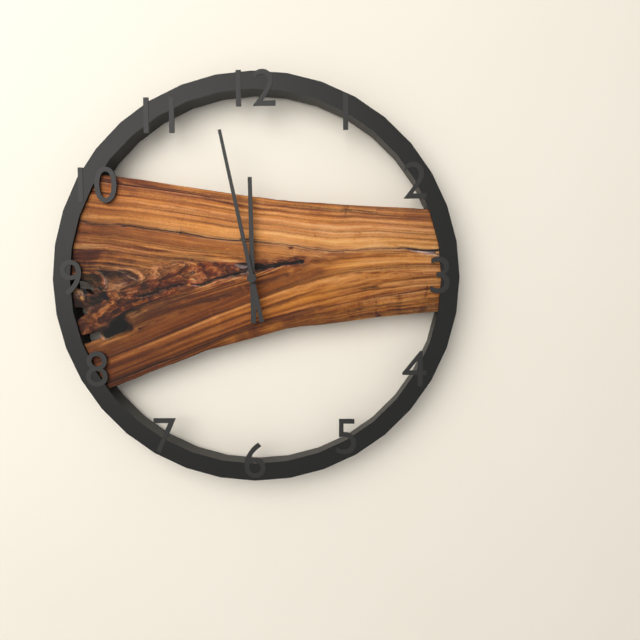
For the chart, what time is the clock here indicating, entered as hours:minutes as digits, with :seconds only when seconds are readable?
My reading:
11:58
